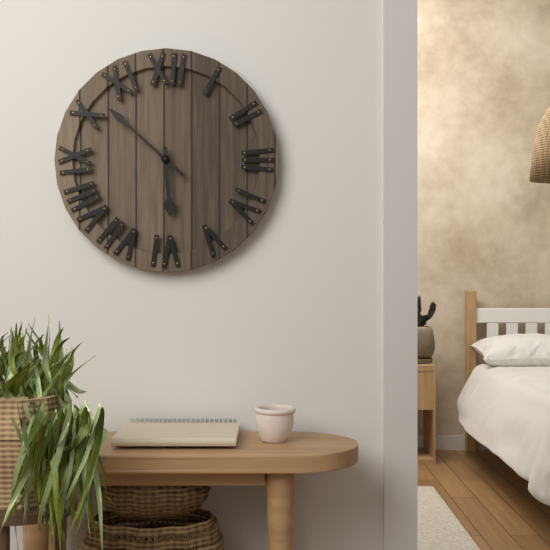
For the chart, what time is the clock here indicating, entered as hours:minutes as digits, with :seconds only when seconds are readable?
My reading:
5:52
